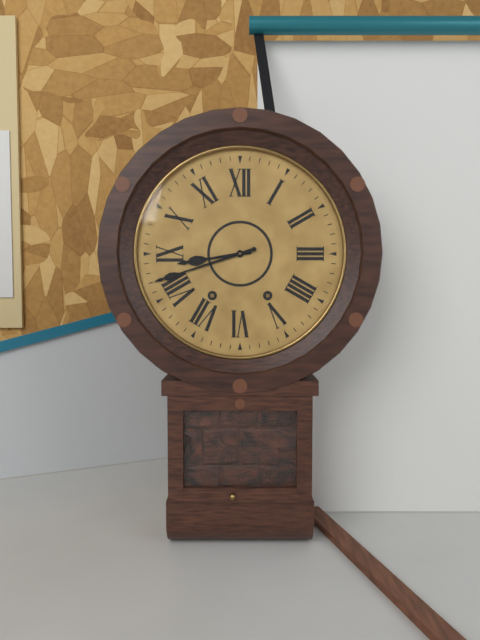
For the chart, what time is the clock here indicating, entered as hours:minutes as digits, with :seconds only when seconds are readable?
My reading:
8:42
